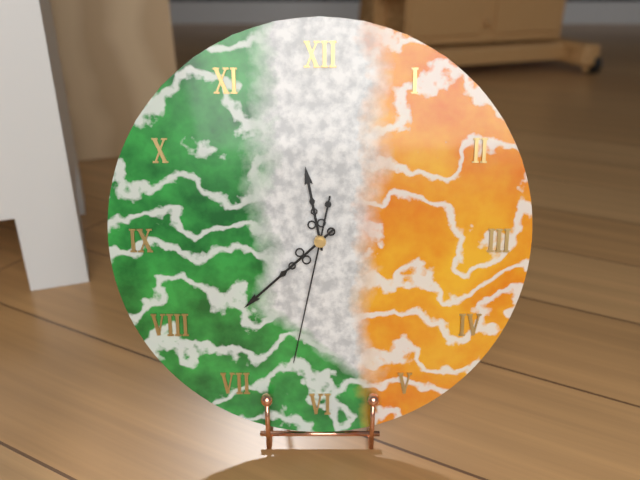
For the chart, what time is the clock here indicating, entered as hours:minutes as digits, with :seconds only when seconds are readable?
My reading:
11:38:32
